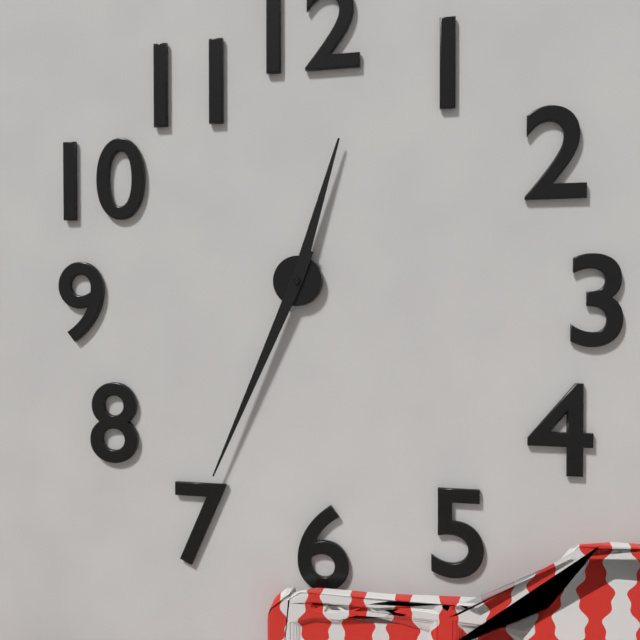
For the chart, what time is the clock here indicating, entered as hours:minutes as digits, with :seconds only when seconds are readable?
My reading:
12:34
